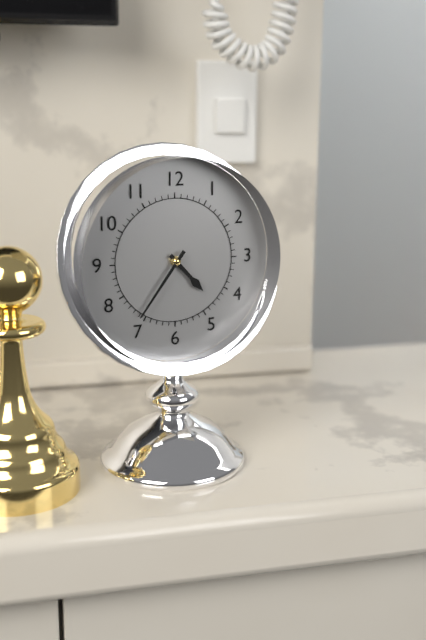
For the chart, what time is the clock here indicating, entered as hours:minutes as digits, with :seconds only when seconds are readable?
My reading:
4:36
